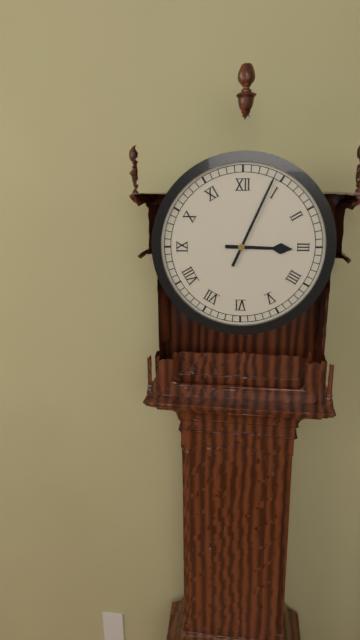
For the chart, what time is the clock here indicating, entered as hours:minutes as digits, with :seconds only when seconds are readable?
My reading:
3:04
